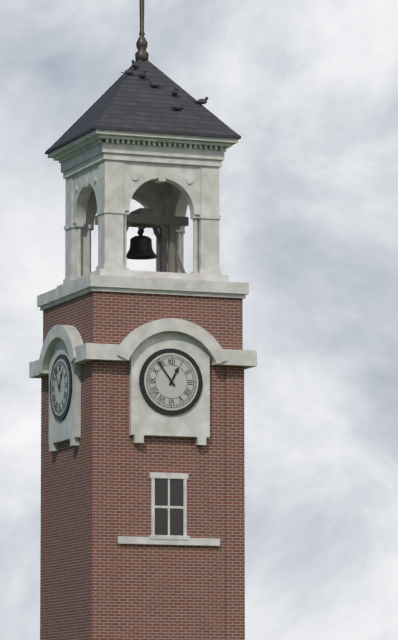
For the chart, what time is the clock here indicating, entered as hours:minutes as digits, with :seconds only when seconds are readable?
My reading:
12:54
